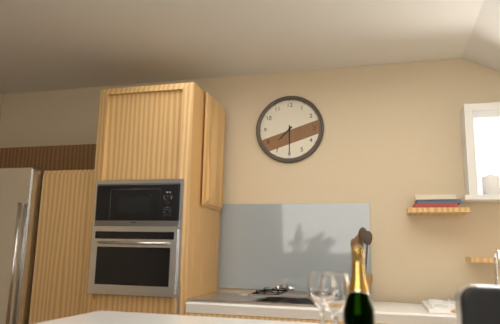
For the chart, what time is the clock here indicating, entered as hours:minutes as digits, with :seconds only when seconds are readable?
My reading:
7:30
